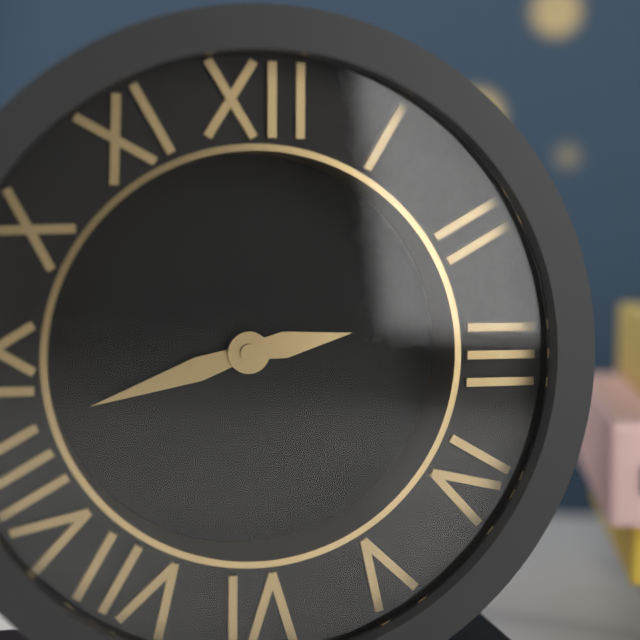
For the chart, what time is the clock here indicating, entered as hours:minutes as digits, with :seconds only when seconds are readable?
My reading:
2:42
